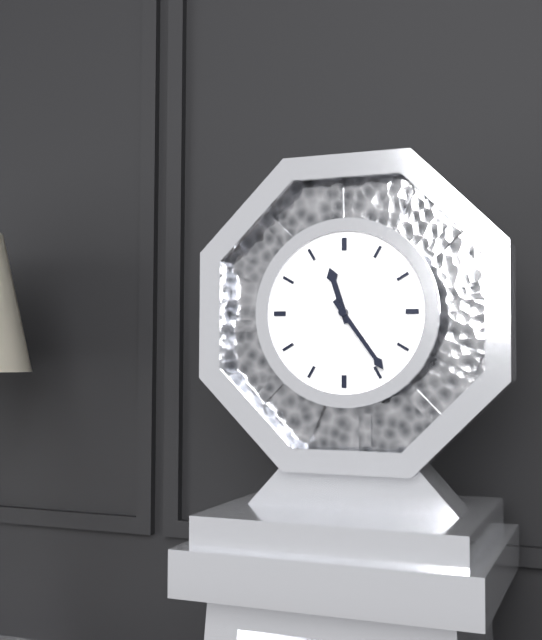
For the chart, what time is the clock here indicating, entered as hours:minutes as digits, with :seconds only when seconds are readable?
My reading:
11:24
